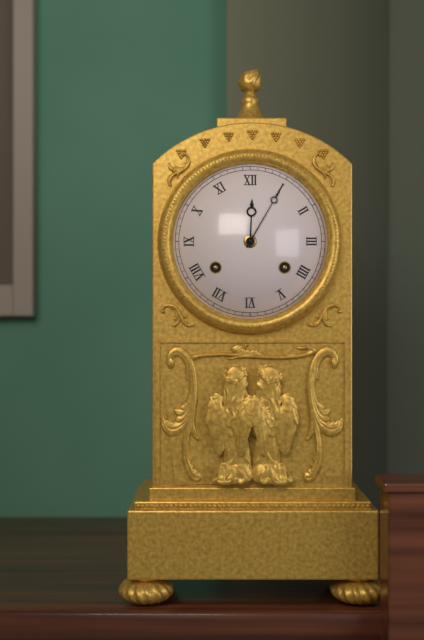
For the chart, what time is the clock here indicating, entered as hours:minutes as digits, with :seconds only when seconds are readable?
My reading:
12:05
